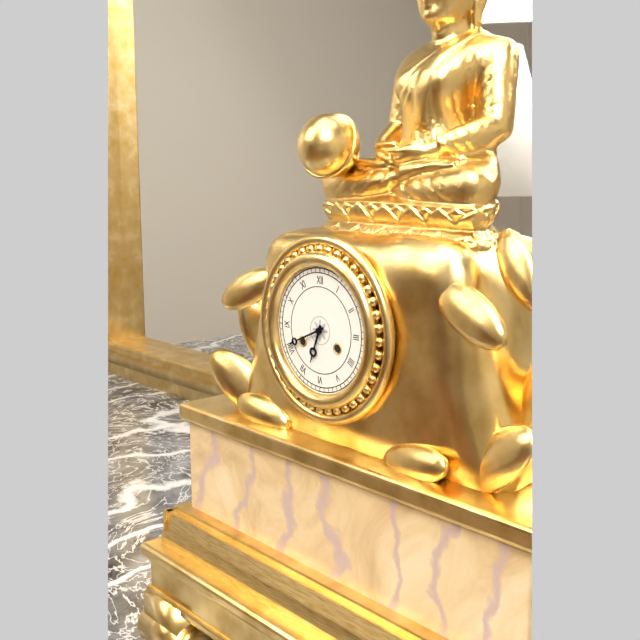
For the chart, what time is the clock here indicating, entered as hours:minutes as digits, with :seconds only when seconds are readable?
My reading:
6:41
